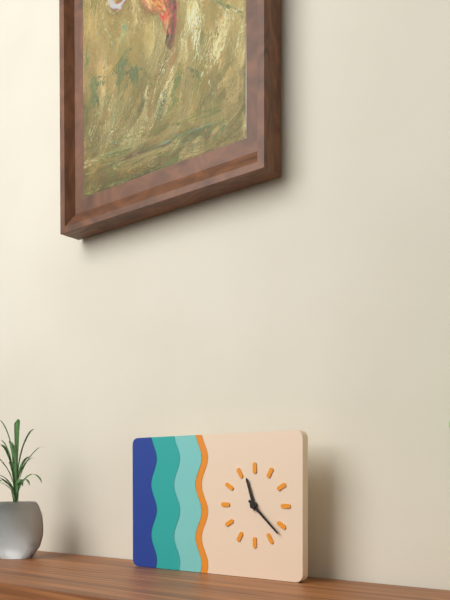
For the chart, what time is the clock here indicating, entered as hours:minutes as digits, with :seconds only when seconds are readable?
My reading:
11:22
